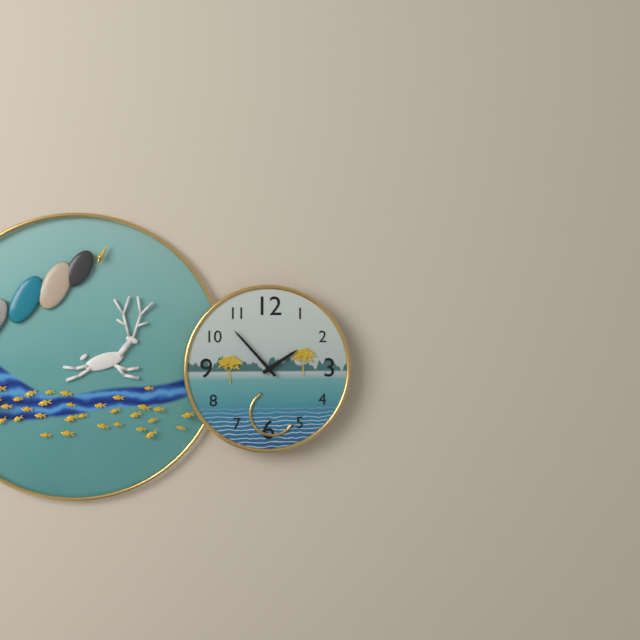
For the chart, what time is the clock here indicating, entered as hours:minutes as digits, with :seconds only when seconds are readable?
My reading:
1:53
